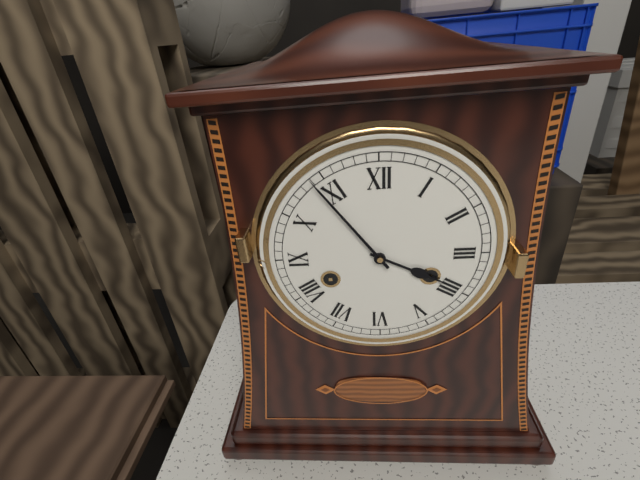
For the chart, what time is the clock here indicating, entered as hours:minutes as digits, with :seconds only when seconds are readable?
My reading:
3:54
